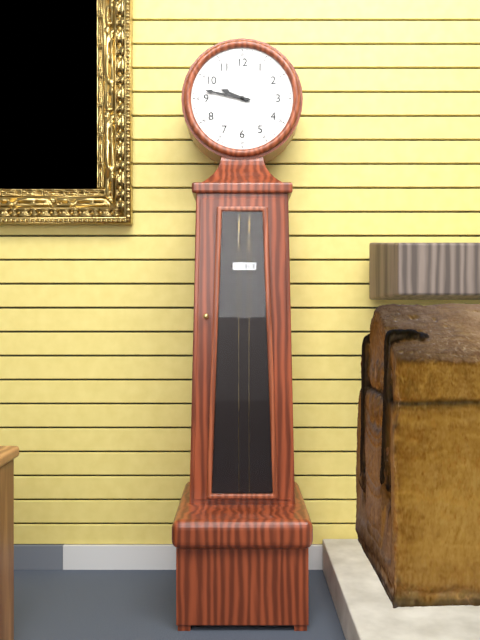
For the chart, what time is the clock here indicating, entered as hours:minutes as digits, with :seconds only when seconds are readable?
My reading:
9:47
